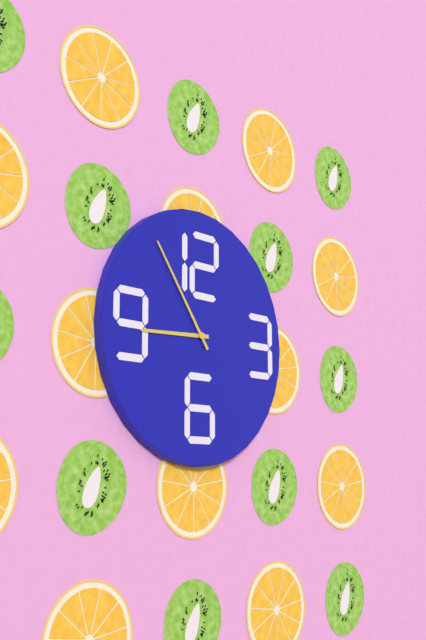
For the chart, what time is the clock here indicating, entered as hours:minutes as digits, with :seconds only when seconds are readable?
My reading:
8:54
